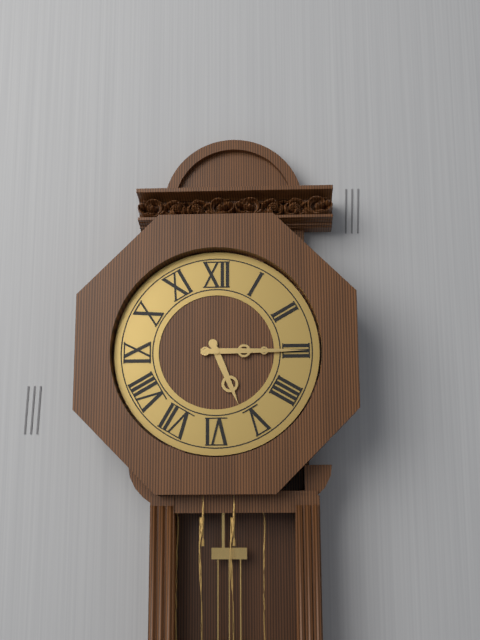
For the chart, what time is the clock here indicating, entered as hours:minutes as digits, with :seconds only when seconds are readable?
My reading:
5:15
